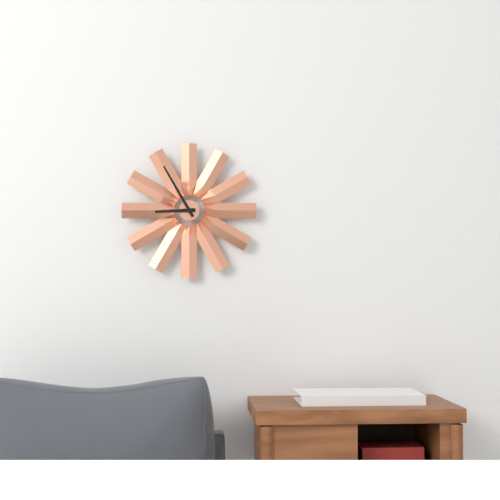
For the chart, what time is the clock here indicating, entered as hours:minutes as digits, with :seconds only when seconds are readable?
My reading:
8:55
